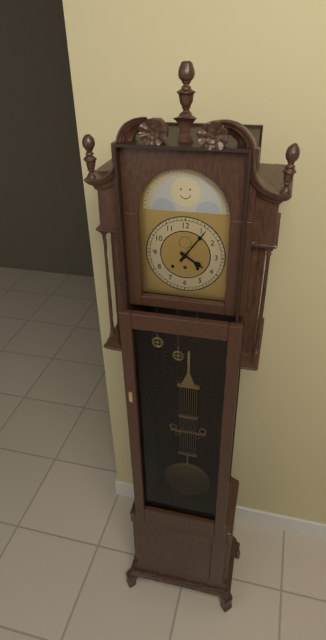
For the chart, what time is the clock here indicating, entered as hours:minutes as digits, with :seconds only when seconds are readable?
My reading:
4:06
